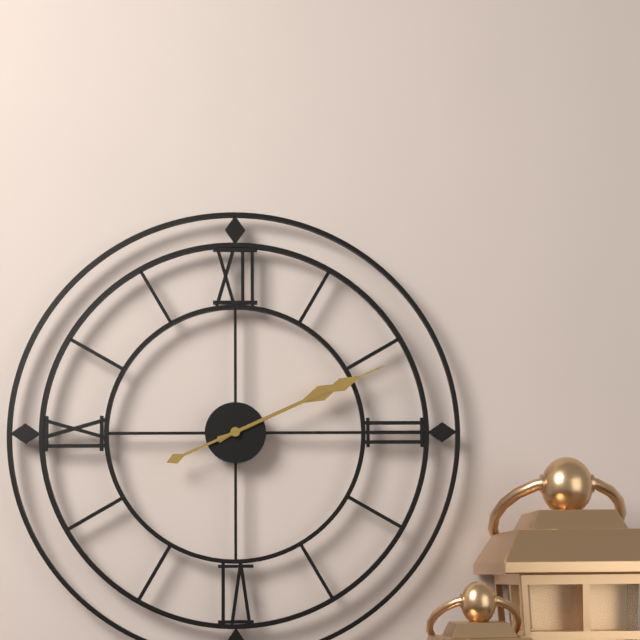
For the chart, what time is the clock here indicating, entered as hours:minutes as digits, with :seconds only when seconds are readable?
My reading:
2:11
